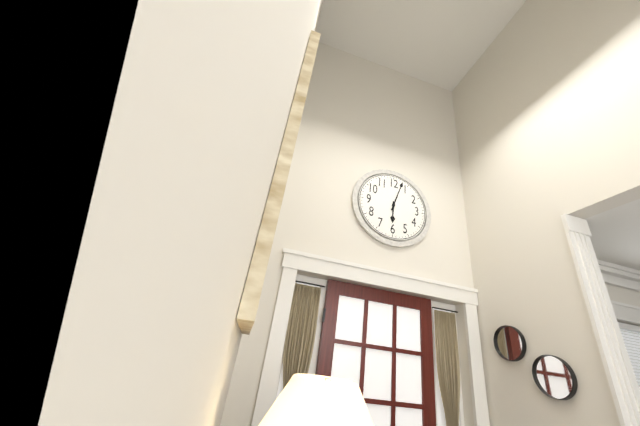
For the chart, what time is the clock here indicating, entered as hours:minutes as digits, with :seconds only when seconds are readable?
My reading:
6:03
